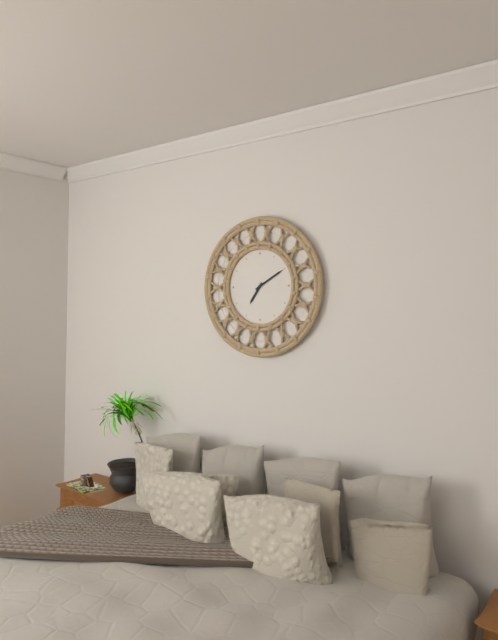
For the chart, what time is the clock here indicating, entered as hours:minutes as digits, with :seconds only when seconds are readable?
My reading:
7:10
